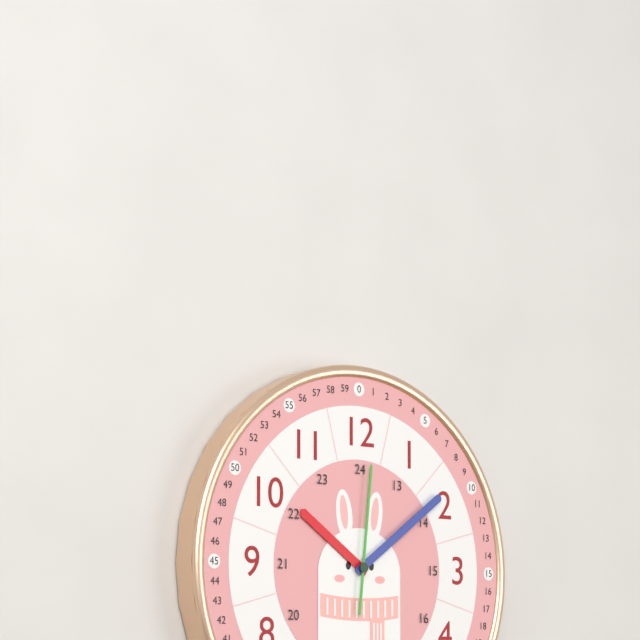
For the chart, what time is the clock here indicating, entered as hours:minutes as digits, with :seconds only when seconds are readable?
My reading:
10:09:01
